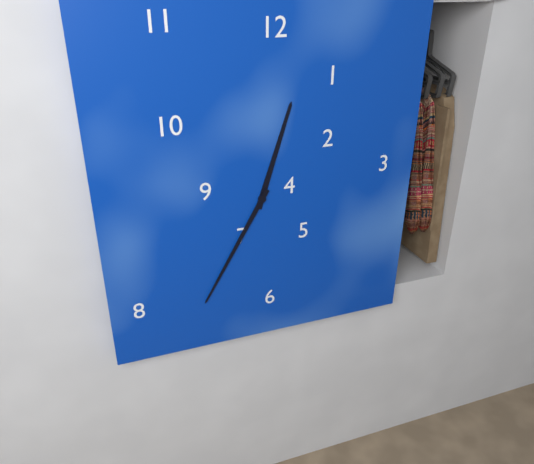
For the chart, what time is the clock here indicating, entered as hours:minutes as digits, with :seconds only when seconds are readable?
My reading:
12:35
